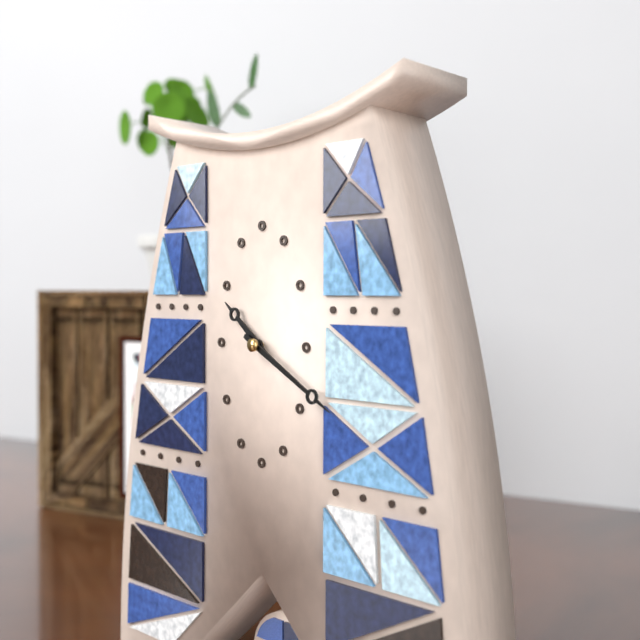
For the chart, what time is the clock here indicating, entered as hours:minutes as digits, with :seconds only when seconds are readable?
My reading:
10:20
